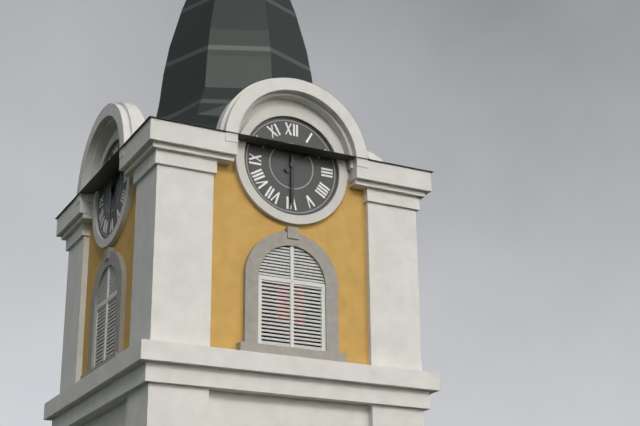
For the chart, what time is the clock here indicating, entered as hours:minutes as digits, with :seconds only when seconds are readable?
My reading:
1:30
